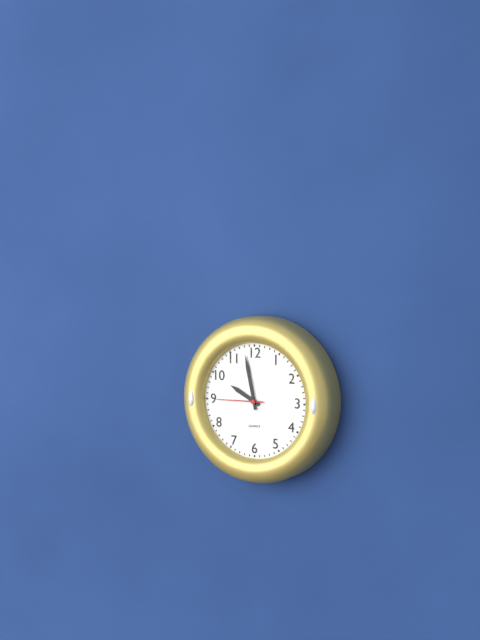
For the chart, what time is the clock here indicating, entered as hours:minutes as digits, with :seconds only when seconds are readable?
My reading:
9:58:45
